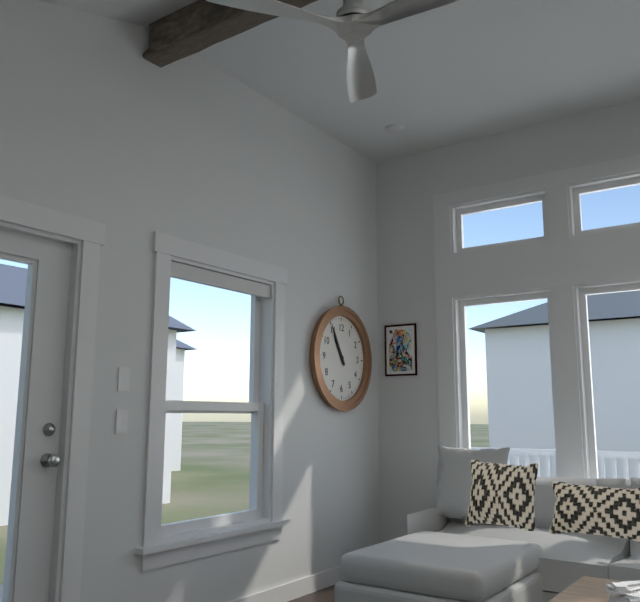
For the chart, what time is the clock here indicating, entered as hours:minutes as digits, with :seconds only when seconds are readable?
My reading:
10:55
